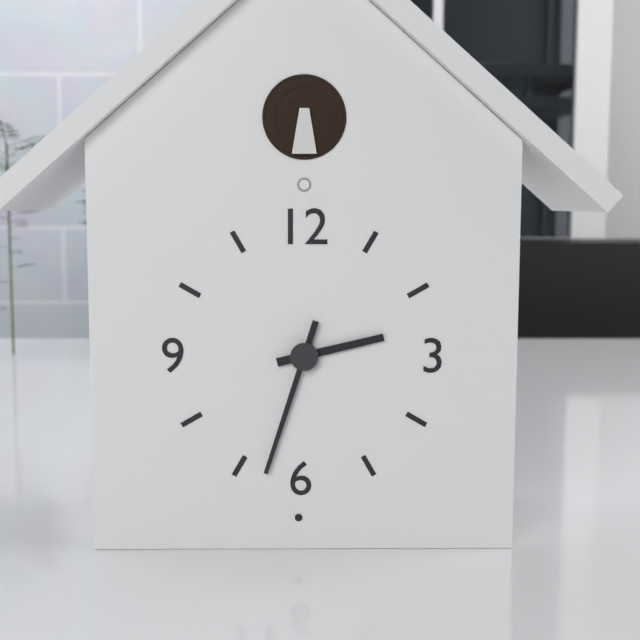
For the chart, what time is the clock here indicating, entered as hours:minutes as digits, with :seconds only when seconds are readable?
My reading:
2:33
